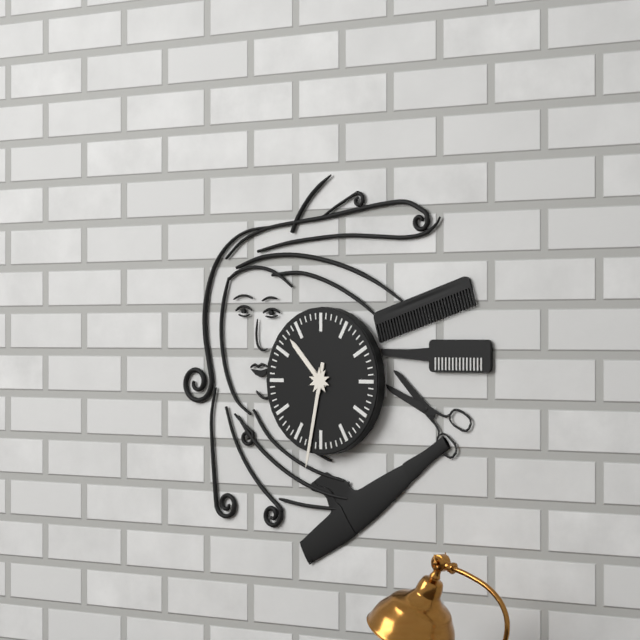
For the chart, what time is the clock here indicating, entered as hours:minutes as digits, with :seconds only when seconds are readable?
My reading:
10:32
